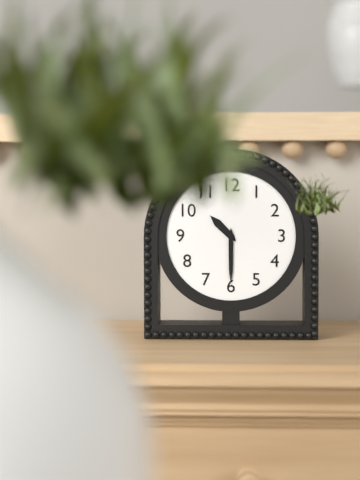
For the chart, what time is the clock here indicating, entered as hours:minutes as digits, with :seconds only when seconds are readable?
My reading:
10:30
